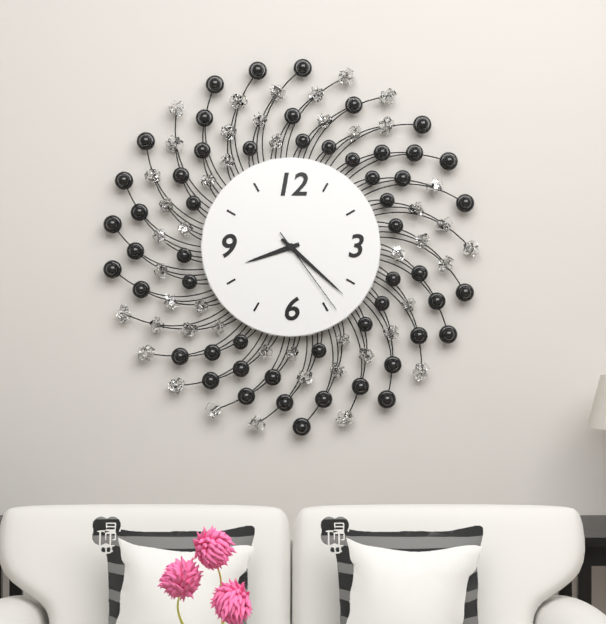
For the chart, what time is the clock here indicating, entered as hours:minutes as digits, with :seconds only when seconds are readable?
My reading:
8:22:24
